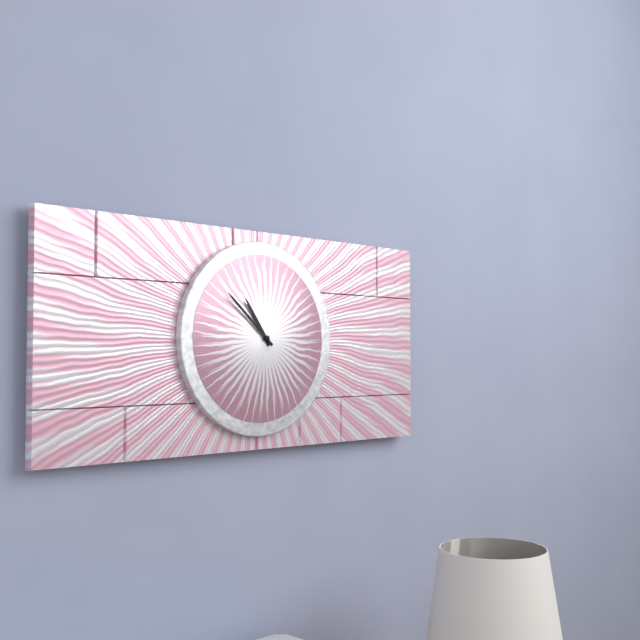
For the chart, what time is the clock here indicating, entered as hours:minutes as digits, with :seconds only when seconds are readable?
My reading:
10:52
